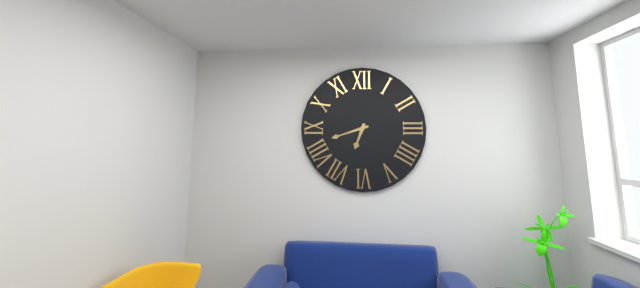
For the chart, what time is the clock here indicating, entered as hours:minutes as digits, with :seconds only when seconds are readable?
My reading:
6:42
